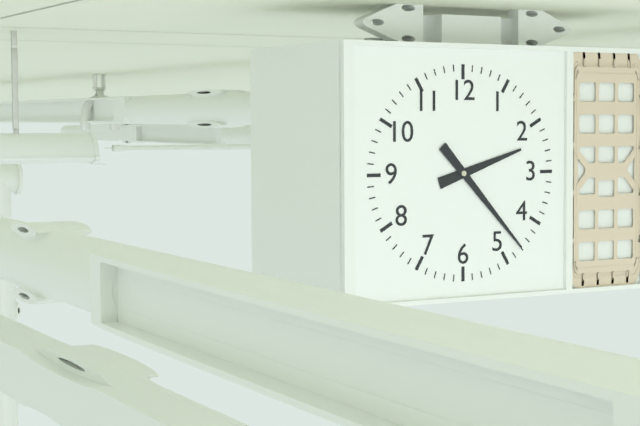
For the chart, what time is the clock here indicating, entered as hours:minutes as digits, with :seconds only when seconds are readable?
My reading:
2:23
